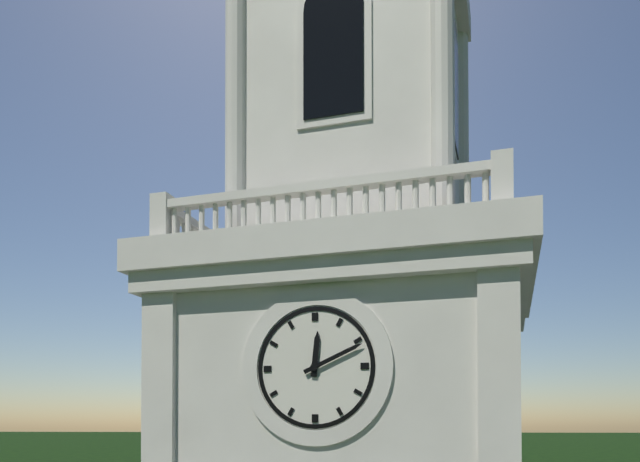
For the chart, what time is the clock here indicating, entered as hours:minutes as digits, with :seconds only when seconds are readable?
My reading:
12:11
